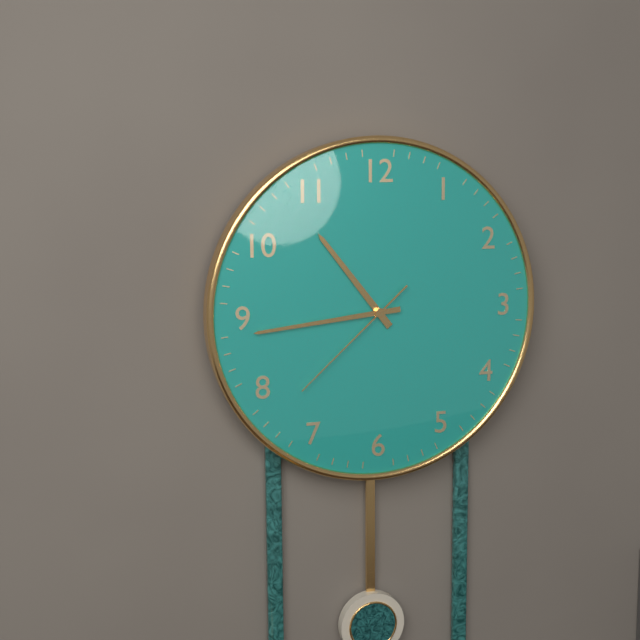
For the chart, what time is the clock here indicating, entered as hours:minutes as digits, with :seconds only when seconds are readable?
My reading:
10:44:38
